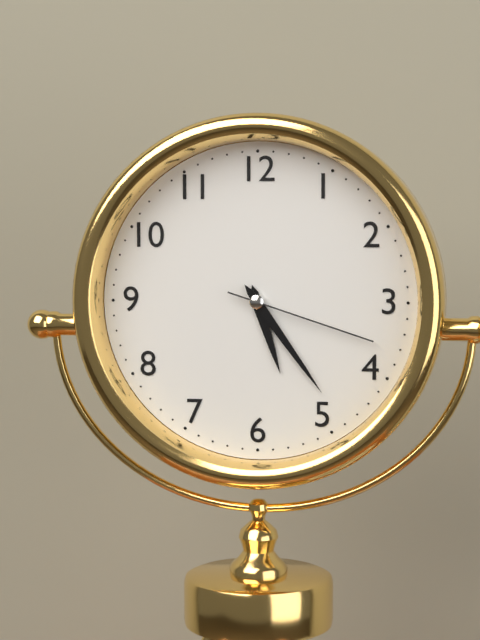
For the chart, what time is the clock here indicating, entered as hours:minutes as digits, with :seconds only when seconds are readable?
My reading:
5:24:18
